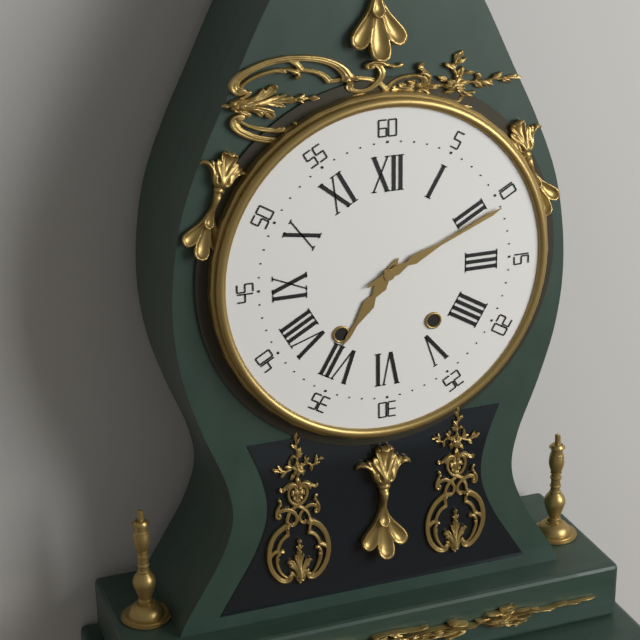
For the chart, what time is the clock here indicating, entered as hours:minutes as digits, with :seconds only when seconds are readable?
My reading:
7:11
